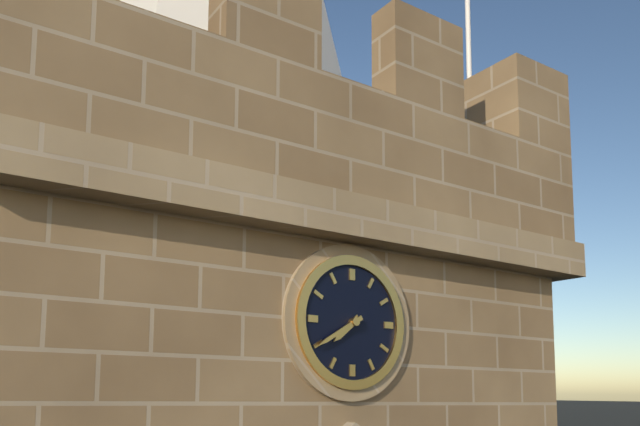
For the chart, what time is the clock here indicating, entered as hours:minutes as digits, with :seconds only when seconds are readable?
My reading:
7:40
